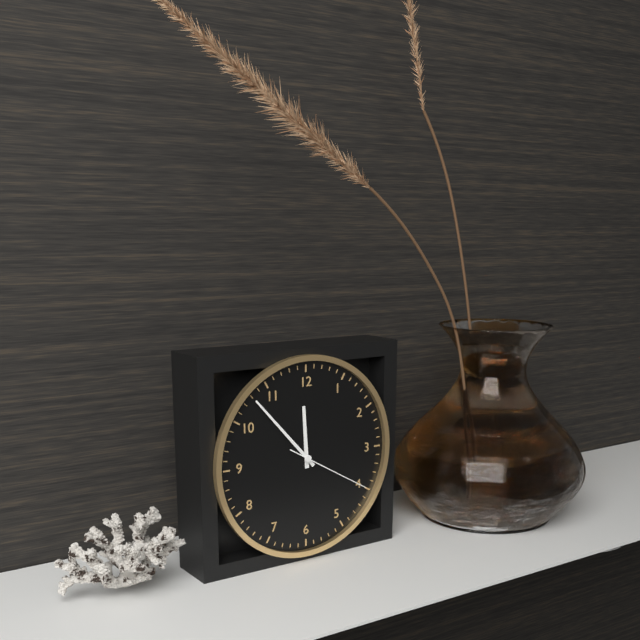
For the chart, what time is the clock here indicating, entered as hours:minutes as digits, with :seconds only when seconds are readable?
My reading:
11:53:20
